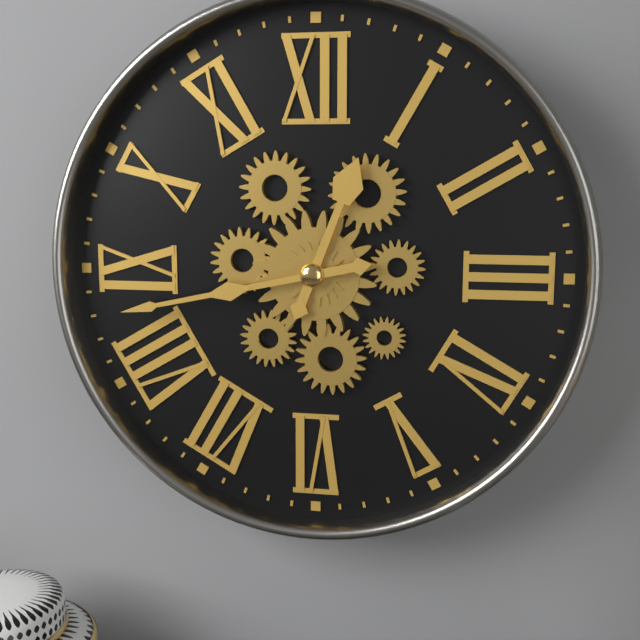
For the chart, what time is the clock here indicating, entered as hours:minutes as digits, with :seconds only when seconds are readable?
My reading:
12:43
